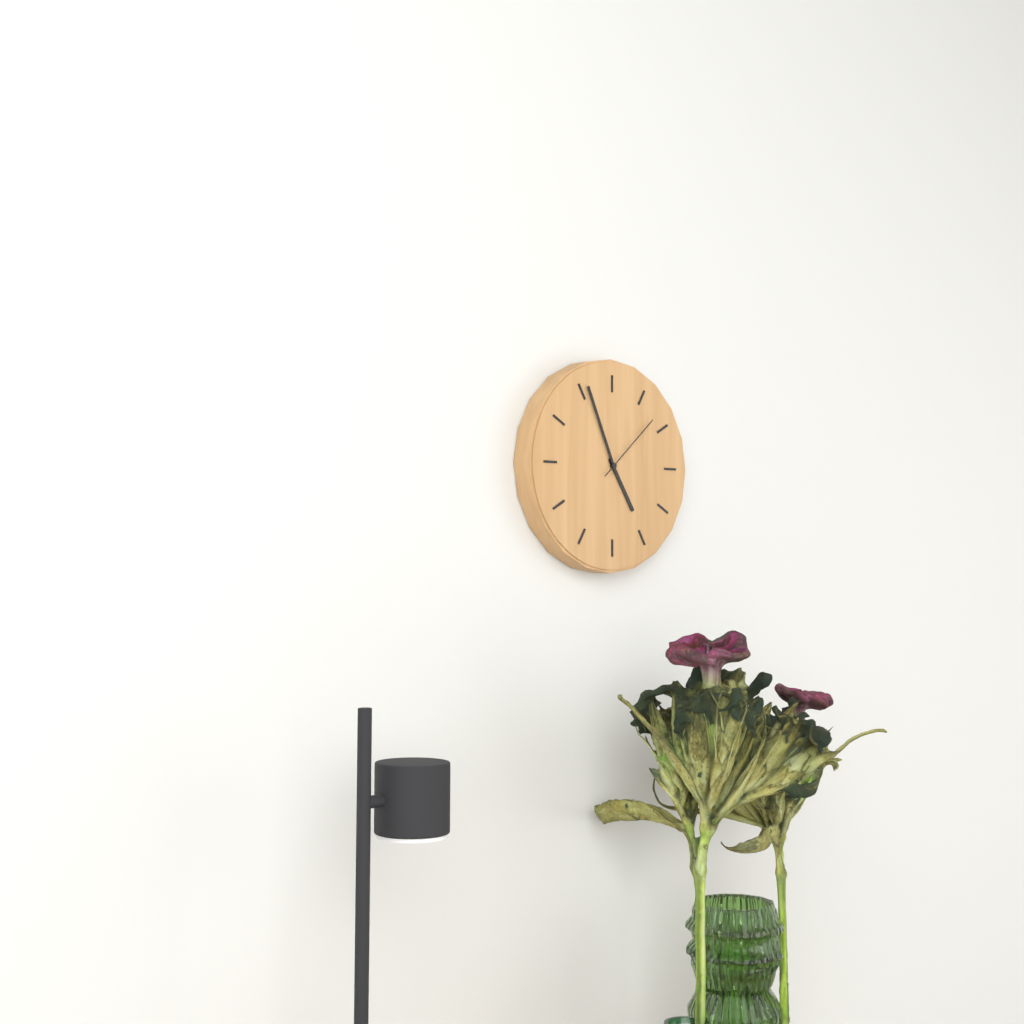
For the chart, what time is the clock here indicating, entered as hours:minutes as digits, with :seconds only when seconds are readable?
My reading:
4:56:08
